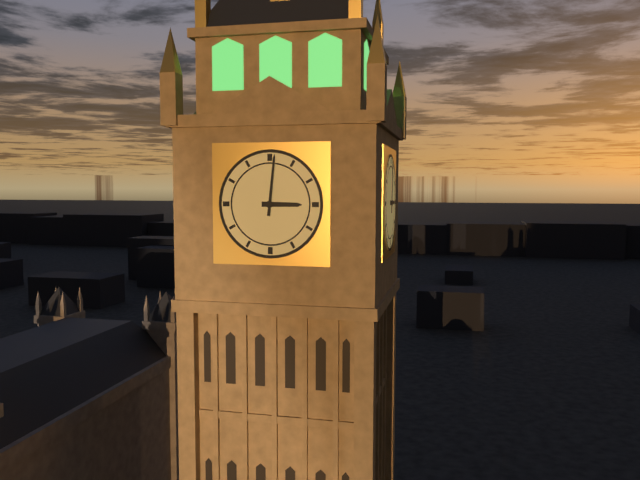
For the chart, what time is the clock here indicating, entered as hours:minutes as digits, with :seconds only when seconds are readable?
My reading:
3:01
